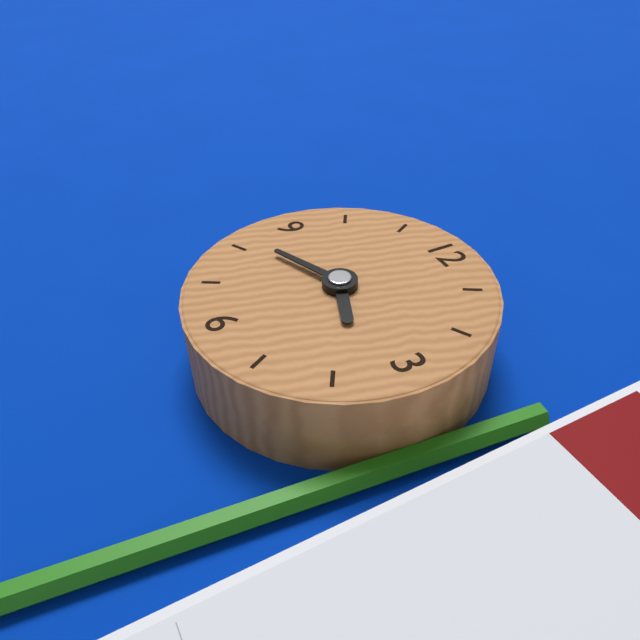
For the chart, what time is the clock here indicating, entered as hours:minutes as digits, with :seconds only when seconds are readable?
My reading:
3:41
